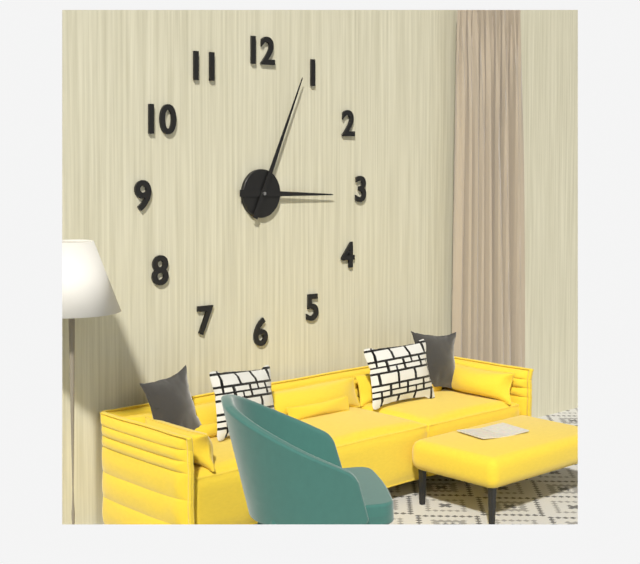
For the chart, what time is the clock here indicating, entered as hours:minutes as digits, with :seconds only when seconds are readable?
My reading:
3:04
